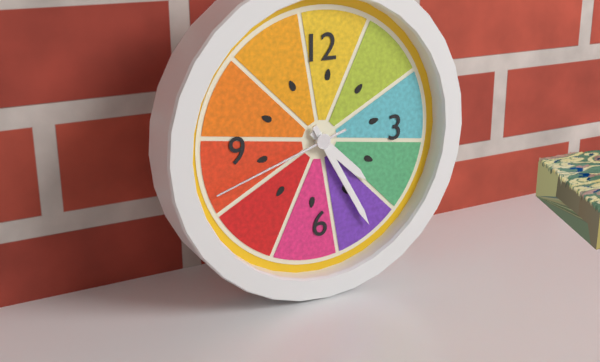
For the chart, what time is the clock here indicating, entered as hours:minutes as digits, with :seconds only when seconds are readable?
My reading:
4:25:42
